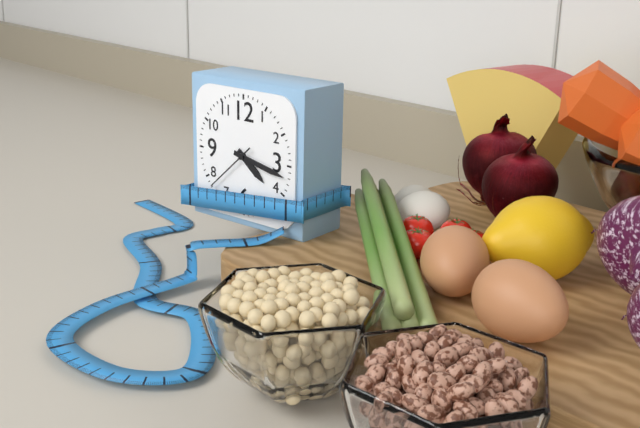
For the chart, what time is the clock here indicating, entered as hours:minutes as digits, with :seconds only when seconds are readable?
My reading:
4:17:38
